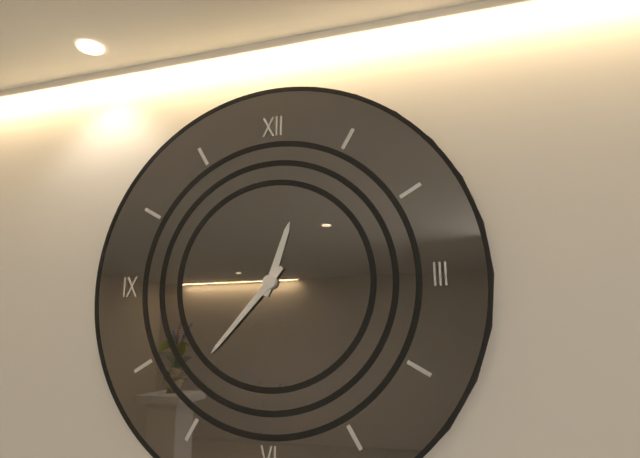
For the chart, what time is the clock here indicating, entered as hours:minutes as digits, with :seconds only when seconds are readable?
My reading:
12:37
